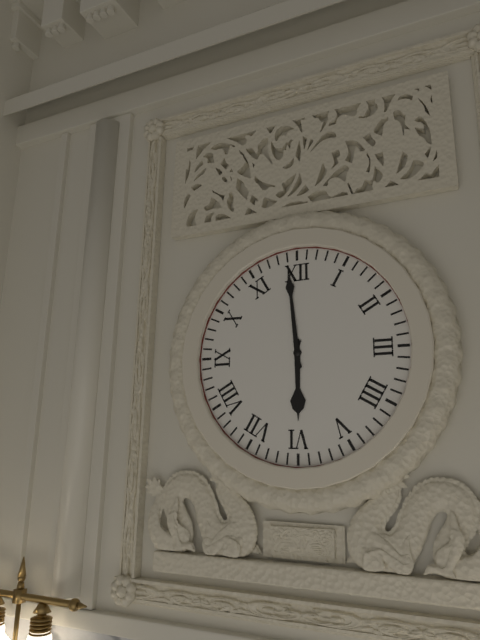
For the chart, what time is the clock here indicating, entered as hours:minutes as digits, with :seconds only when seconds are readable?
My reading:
5:59
